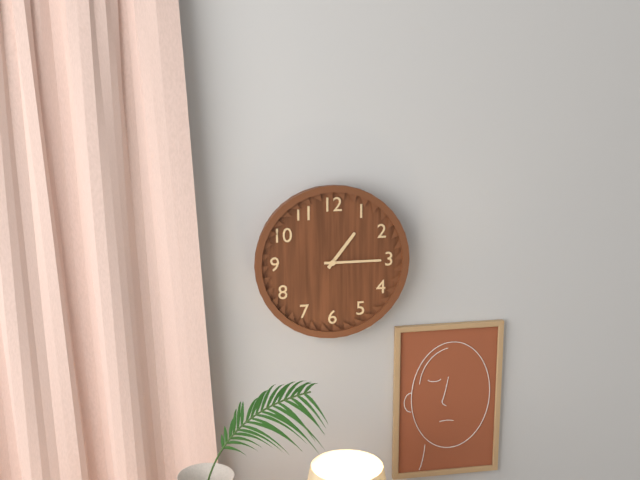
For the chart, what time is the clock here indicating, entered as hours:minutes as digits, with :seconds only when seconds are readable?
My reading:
1:15
